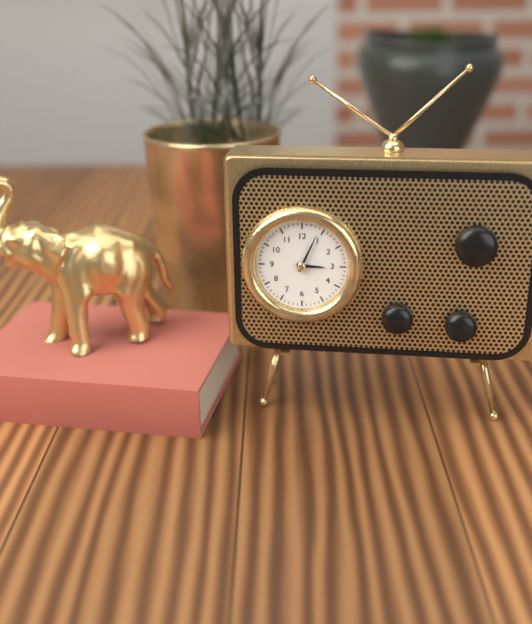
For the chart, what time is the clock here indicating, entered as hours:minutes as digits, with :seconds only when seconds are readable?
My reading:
3:04
